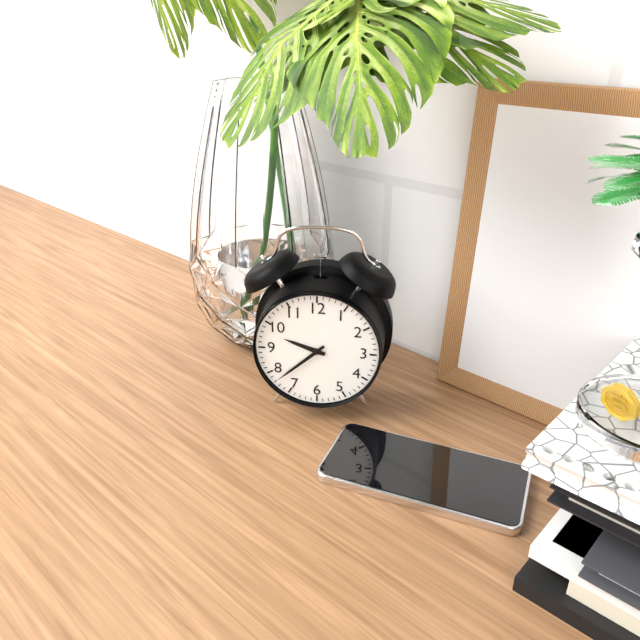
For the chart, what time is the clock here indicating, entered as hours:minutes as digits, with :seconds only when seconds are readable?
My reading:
9:38
